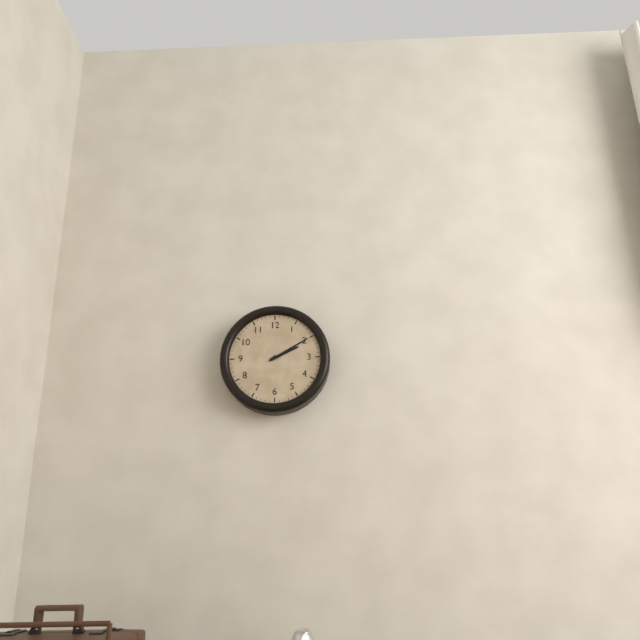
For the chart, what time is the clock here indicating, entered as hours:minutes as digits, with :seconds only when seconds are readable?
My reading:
2:10
